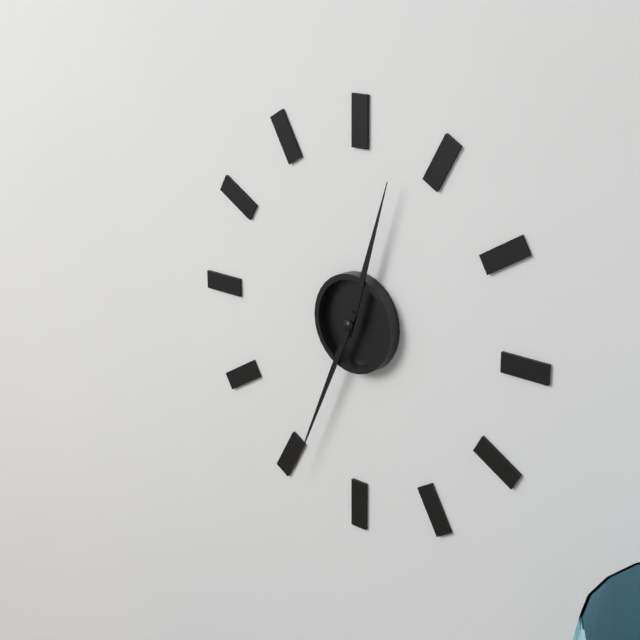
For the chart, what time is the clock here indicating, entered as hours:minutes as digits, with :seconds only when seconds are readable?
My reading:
12:34
